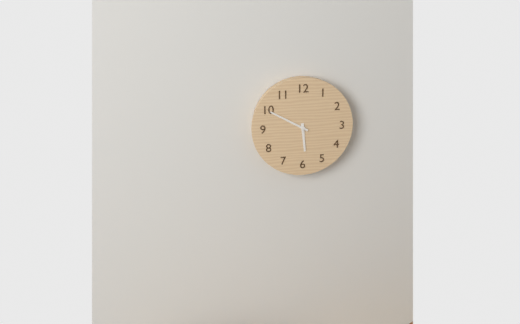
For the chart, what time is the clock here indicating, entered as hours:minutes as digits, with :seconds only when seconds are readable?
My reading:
5:50
